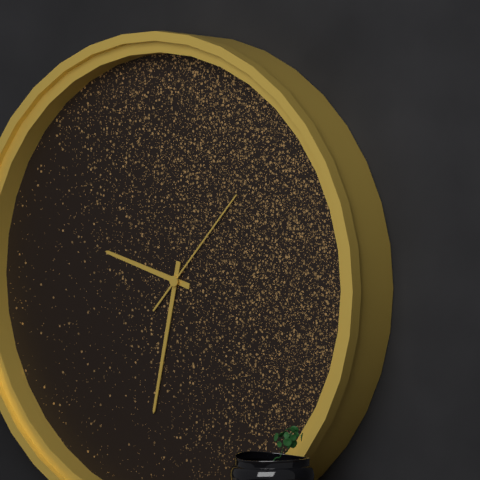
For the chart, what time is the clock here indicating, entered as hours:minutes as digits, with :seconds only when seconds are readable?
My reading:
9:32:07
